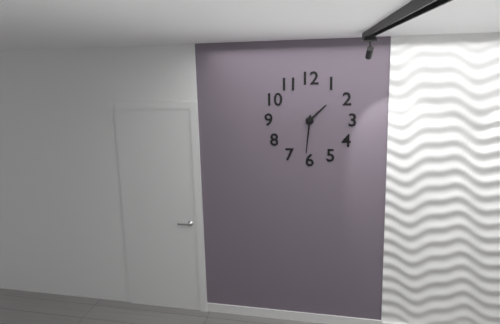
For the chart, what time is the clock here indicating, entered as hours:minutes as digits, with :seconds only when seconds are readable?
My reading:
1:31
